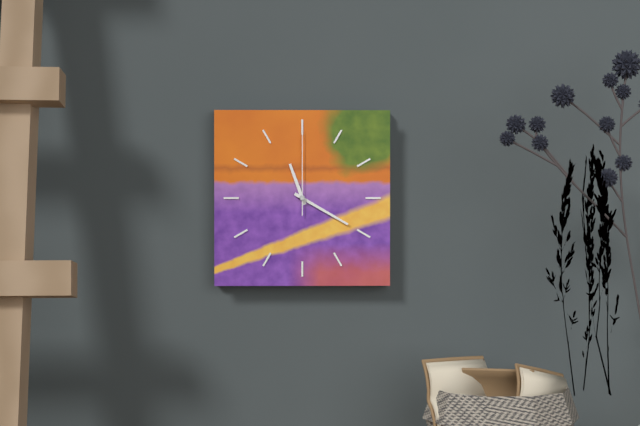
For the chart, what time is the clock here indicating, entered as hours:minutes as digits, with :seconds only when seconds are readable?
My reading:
11:20:00
